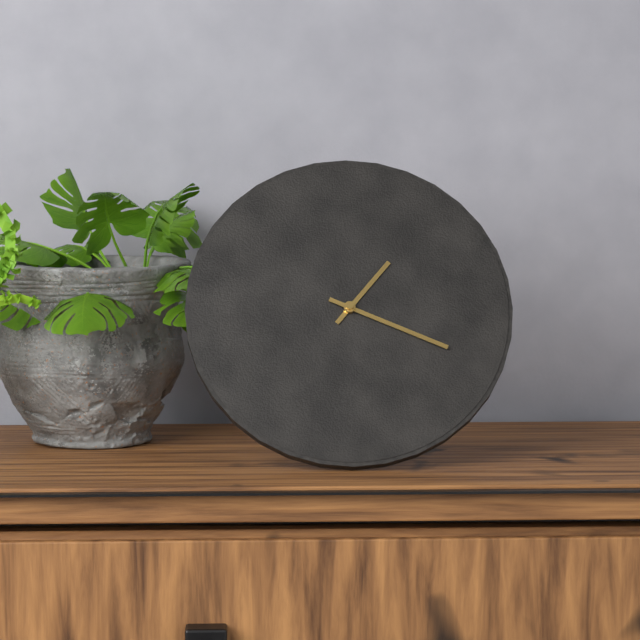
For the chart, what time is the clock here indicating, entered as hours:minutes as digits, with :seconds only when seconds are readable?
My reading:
1:19
